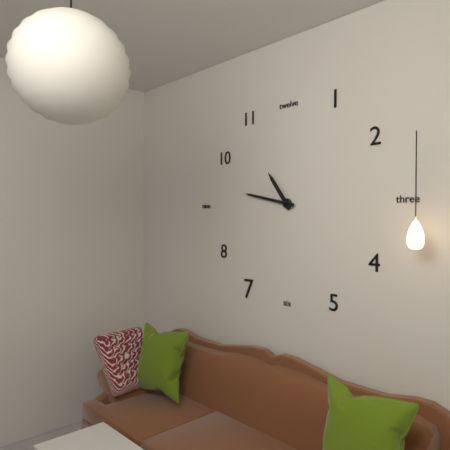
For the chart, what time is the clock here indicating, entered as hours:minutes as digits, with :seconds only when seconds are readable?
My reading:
10:47
